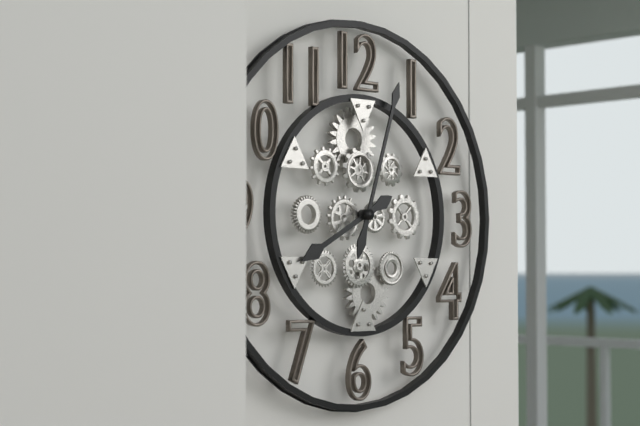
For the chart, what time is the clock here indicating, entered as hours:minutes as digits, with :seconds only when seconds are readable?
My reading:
8:03
